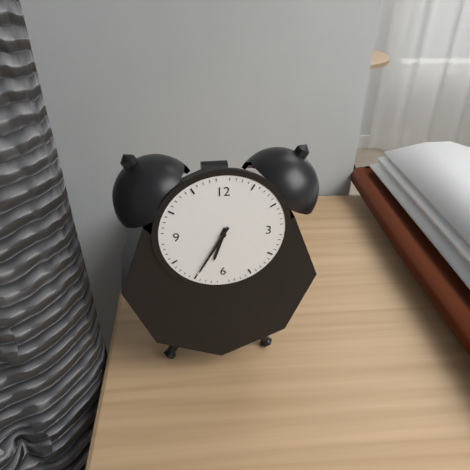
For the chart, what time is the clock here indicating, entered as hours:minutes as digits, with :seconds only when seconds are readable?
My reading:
6:35
